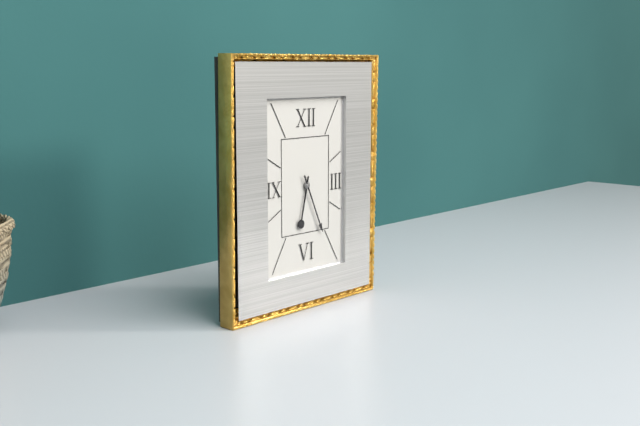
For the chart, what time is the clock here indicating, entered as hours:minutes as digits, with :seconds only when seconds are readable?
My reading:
6:26
